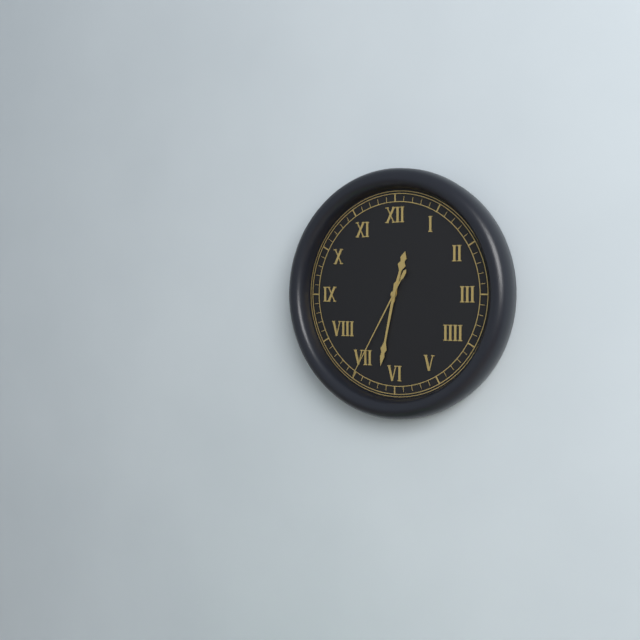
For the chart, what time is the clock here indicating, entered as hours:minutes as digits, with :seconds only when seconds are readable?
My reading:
12:32:35
